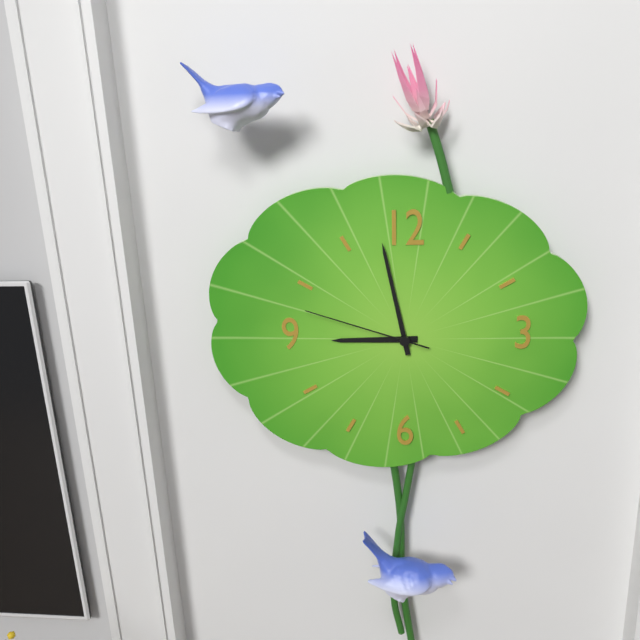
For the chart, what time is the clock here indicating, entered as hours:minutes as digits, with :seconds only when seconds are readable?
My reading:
8:58:48
